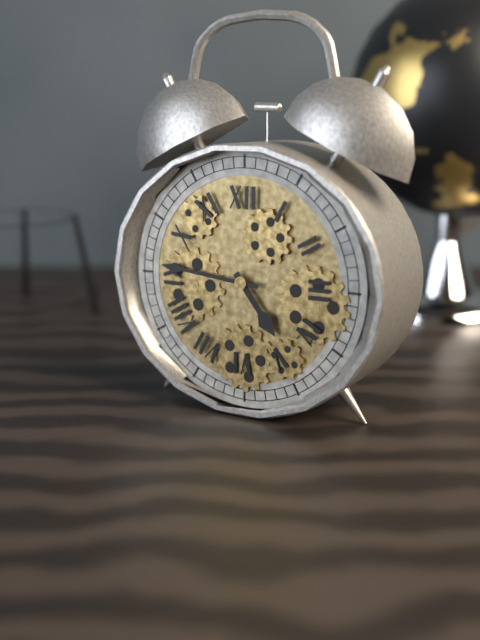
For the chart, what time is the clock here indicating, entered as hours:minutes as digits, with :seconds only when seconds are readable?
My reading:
4:46
